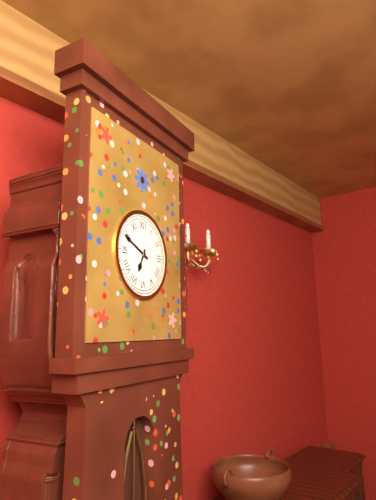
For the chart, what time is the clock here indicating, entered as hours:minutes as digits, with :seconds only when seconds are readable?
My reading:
6:49
